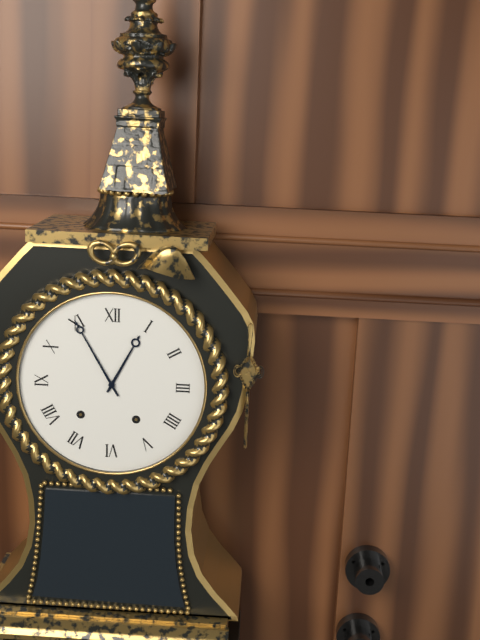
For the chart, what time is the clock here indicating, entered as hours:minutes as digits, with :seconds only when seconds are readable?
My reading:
12:55
